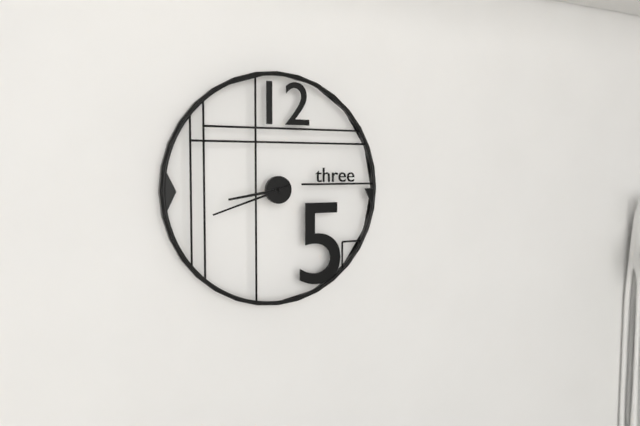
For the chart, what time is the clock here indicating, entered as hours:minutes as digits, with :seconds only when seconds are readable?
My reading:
8:42
